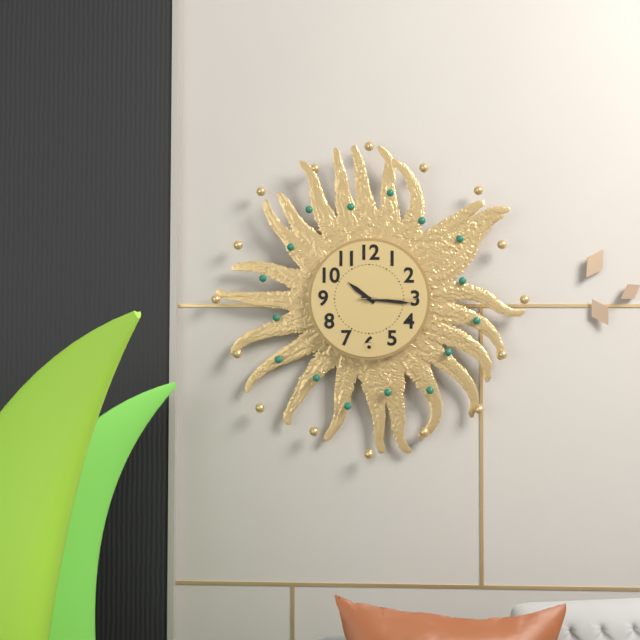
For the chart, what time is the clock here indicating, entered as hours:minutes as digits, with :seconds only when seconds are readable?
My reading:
10:16:15
